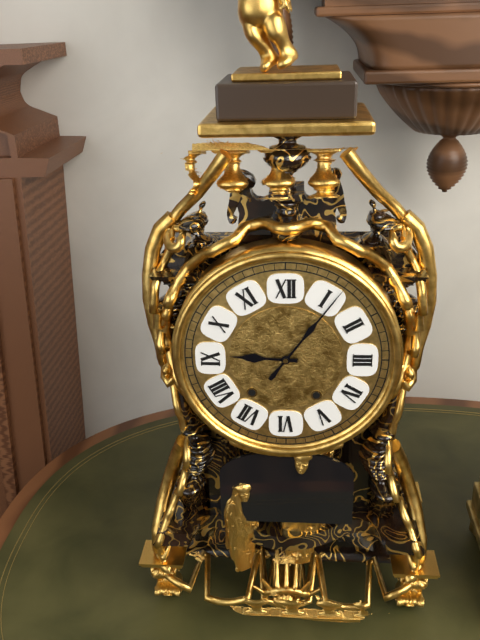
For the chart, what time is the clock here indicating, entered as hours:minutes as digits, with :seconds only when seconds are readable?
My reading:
9:06
